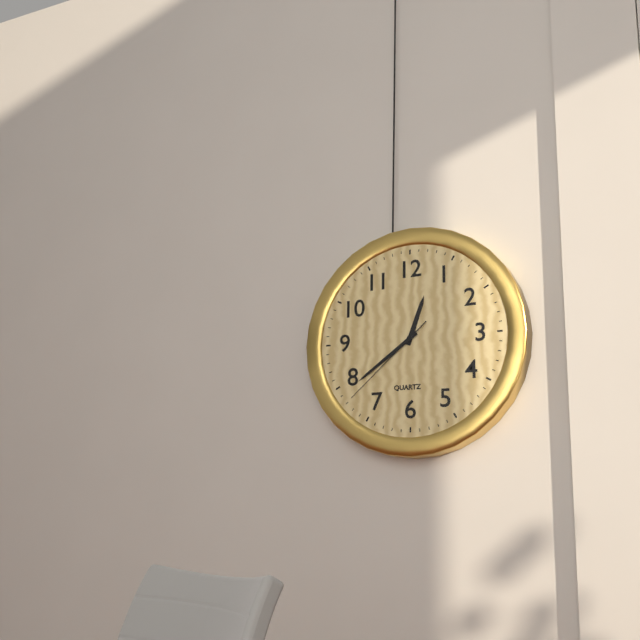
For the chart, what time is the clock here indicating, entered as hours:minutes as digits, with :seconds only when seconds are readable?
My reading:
12:39:38
